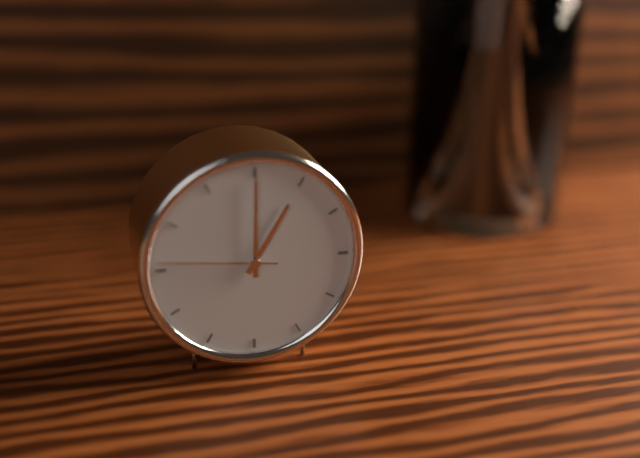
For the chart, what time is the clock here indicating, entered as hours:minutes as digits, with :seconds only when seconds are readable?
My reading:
1:00:46
